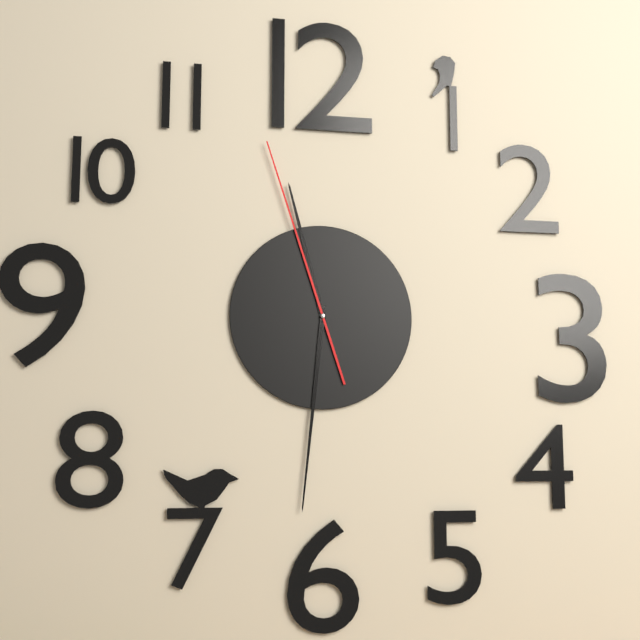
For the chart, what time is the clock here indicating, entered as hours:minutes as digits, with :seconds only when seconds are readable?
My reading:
11:31:57
